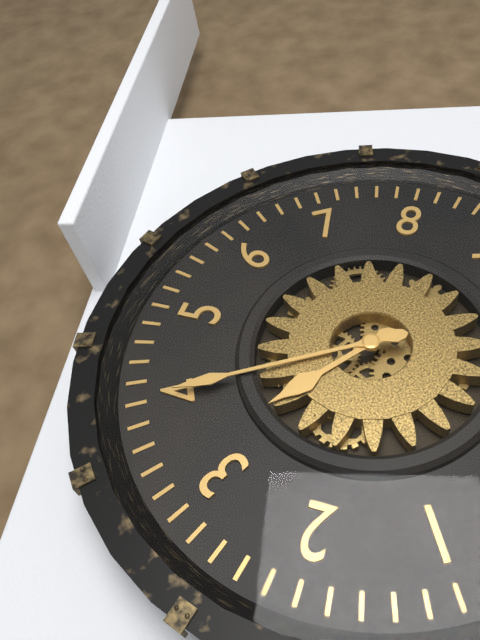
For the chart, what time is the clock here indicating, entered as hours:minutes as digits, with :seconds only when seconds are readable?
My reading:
3:20
